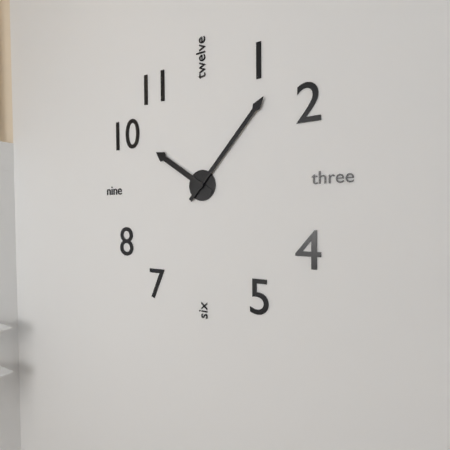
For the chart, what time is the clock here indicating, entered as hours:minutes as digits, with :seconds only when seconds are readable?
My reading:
10:07
